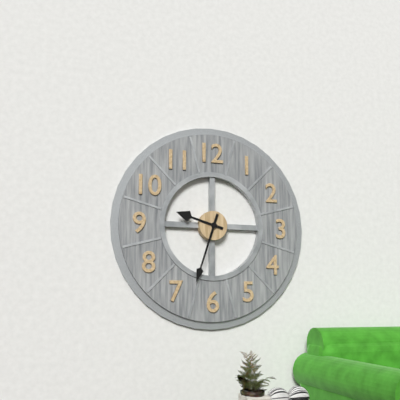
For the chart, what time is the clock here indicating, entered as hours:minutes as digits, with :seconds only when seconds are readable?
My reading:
9:33
